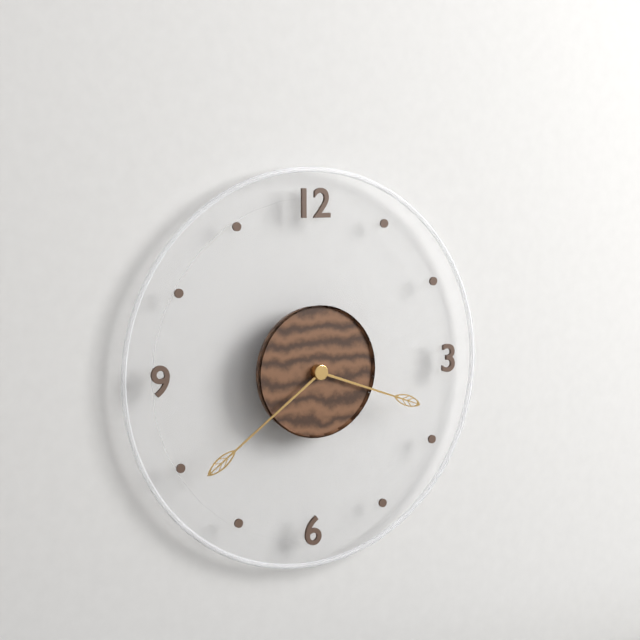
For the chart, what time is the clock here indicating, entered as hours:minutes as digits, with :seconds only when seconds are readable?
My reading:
3:39
